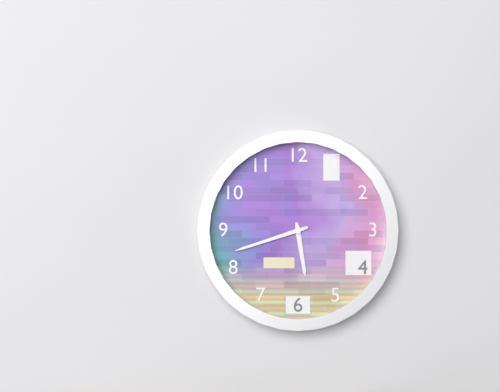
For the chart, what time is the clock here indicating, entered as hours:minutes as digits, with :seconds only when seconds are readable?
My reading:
5:42
